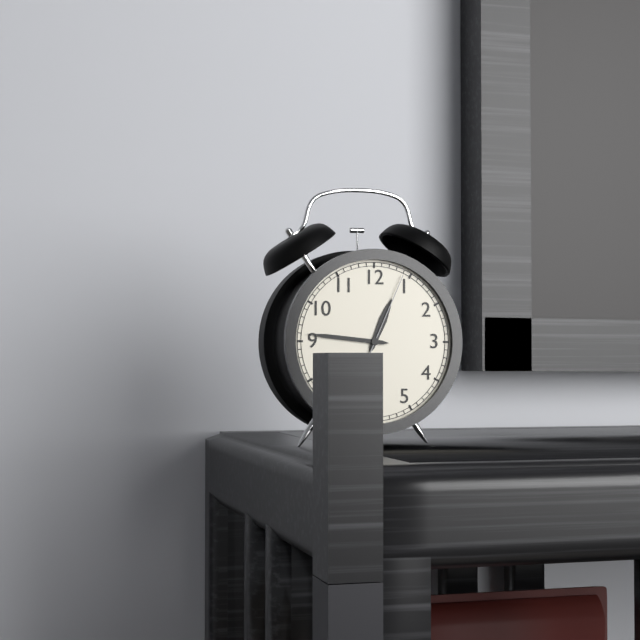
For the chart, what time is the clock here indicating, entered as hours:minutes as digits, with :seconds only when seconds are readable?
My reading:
12:46:04
